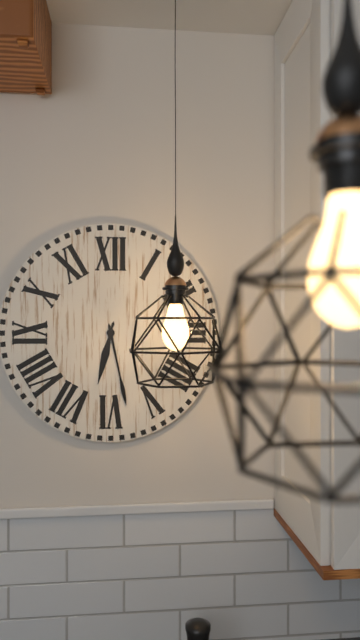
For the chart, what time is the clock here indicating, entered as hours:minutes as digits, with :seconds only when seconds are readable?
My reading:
6:28
